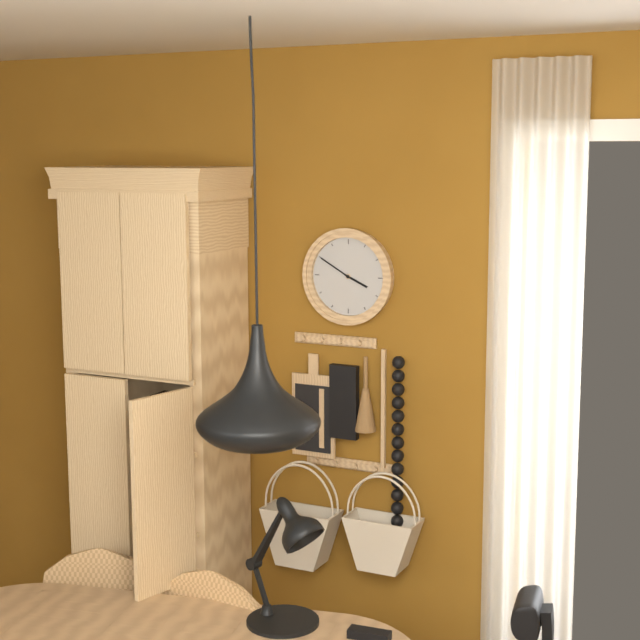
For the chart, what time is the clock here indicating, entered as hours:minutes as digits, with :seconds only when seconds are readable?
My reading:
3:50
